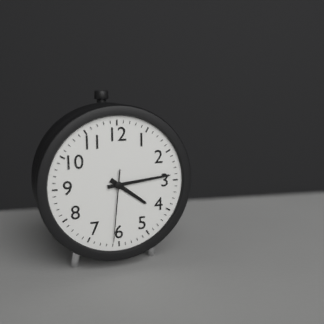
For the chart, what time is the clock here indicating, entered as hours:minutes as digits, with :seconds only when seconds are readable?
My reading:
4:14:31
